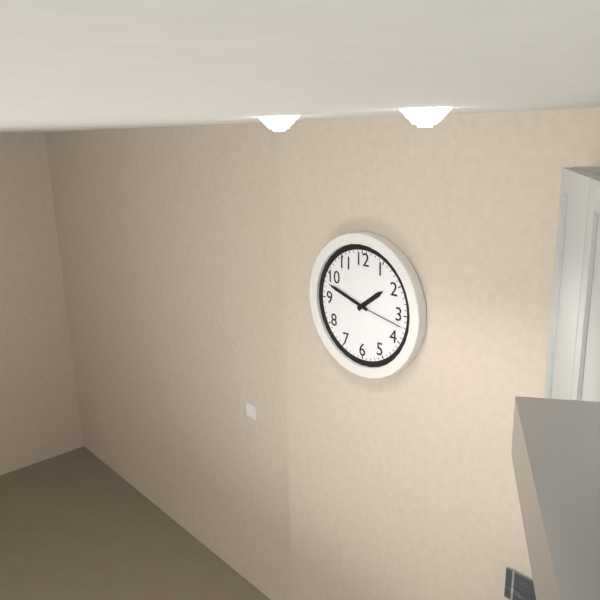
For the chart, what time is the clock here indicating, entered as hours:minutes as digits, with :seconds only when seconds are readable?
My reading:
1:48:17
